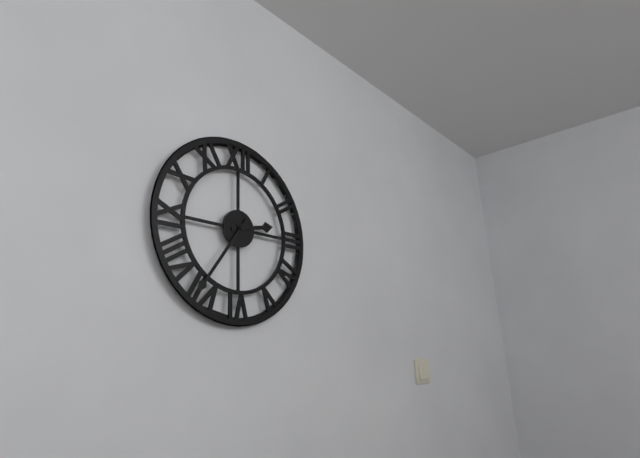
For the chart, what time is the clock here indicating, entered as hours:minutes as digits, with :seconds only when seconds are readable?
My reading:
2:36
